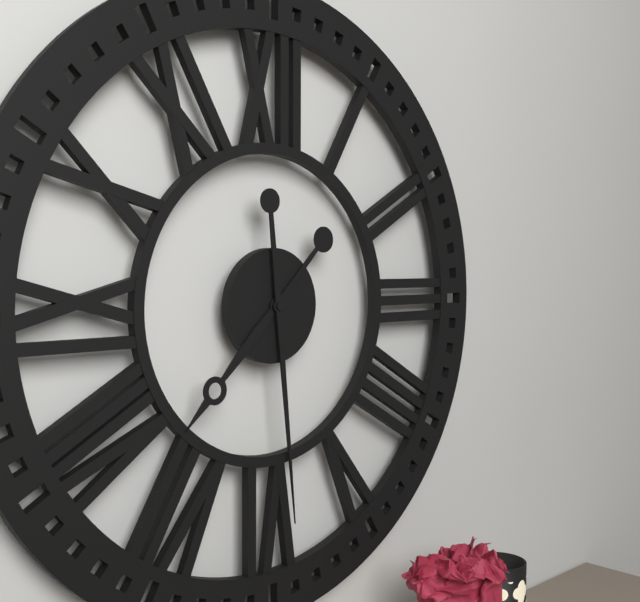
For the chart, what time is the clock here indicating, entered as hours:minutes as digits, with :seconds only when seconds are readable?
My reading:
7:29
